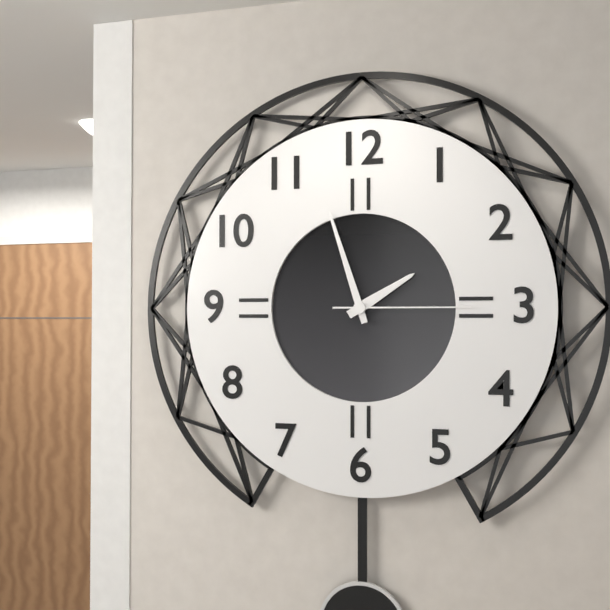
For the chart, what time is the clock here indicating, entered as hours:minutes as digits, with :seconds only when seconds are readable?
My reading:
1:57:15
